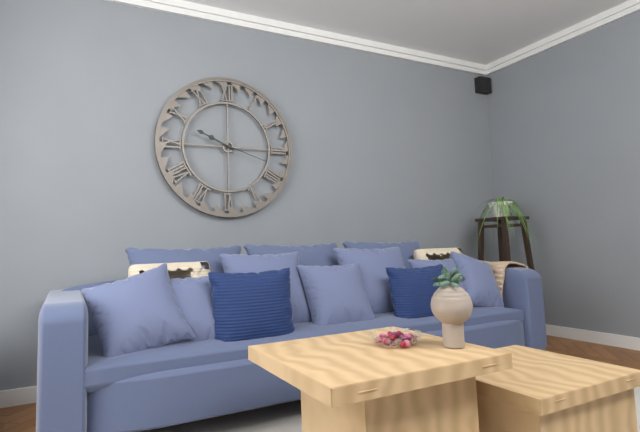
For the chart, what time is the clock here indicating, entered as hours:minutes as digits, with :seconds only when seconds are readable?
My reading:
9:49:18
